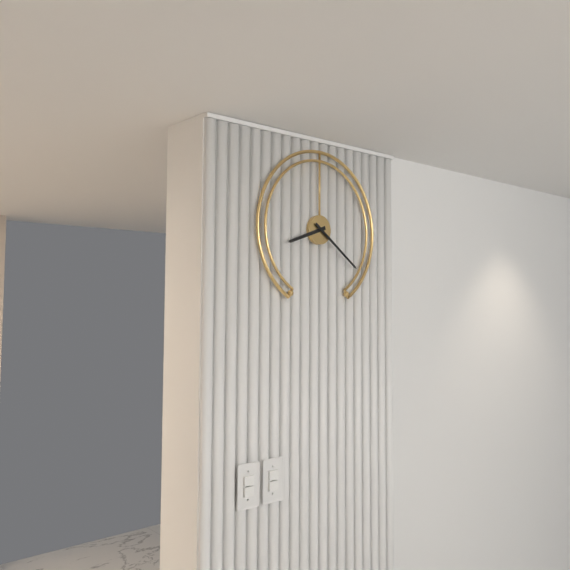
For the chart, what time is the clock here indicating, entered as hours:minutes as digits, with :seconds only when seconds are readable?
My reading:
8:21
